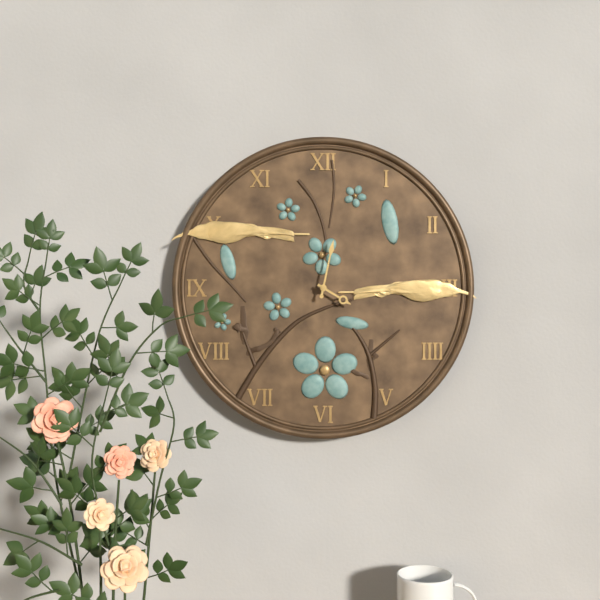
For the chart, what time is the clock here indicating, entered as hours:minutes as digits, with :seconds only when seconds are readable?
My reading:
4:02
